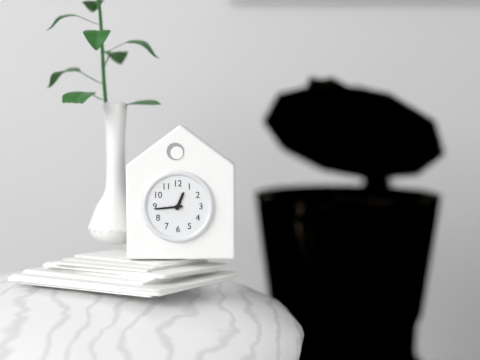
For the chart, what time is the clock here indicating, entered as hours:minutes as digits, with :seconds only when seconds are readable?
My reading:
12:44
